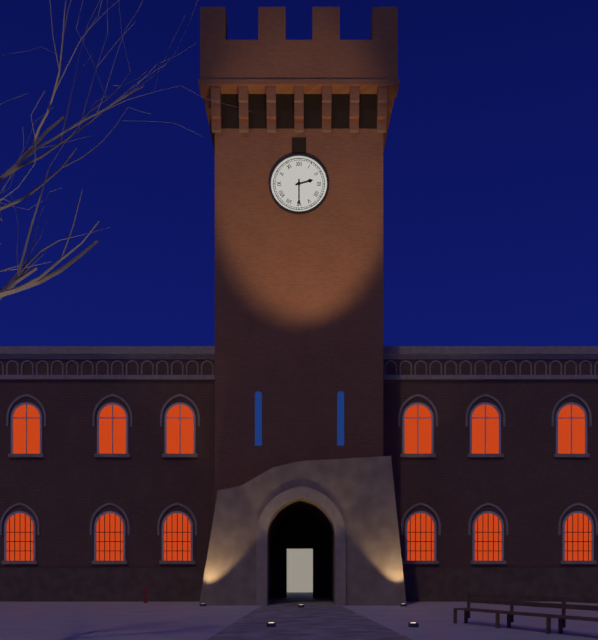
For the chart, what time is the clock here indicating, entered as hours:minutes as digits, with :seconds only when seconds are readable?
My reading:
2:30
